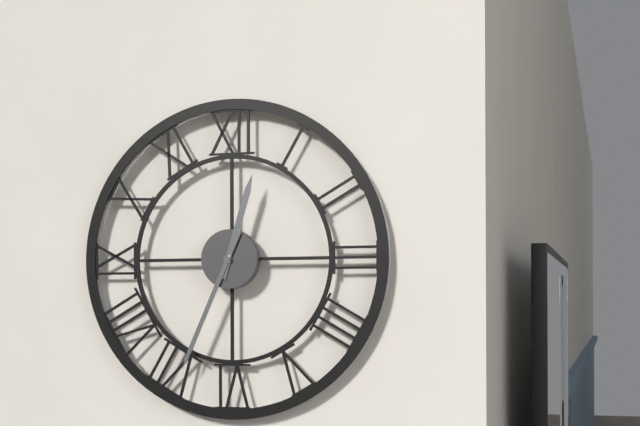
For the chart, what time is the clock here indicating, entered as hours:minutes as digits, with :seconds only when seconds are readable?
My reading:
12:34
